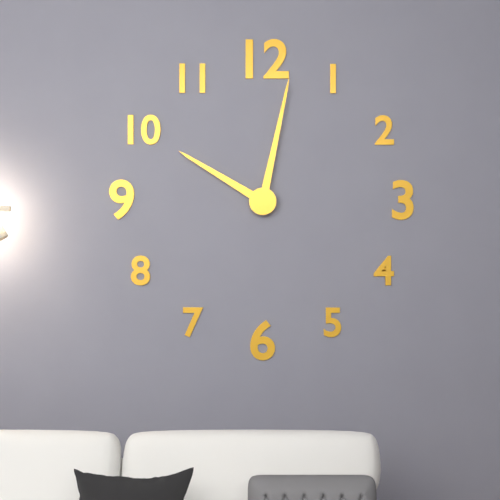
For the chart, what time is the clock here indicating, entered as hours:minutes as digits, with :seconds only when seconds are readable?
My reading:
10:02
